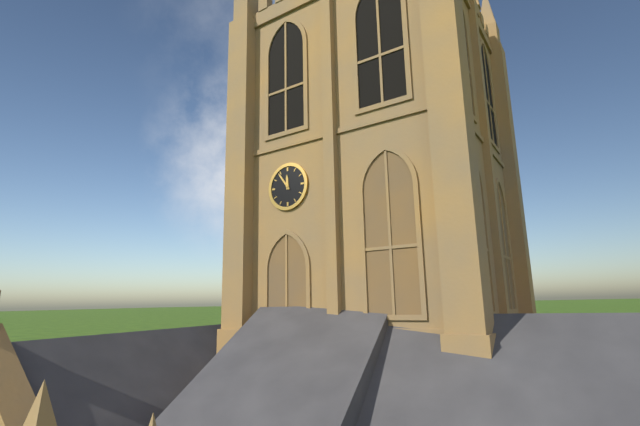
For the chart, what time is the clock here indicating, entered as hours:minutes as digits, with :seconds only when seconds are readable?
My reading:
11:54
